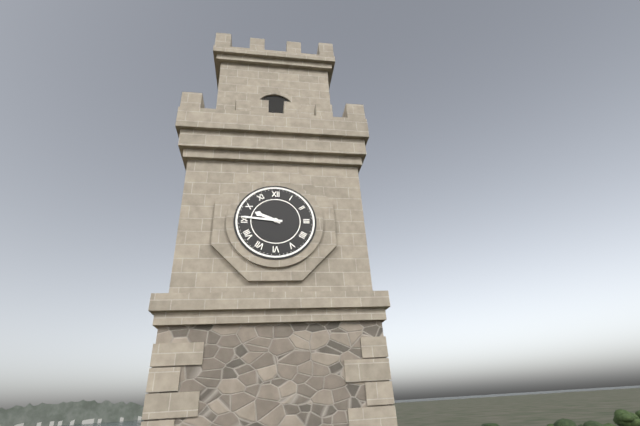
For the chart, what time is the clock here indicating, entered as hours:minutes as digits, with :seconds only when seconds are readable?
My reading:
9:46
